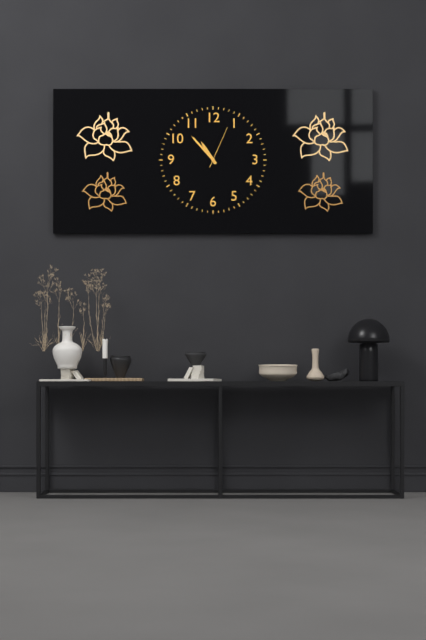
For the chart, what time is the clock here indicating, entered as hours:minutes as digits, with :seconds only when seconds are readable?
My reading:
10:53
